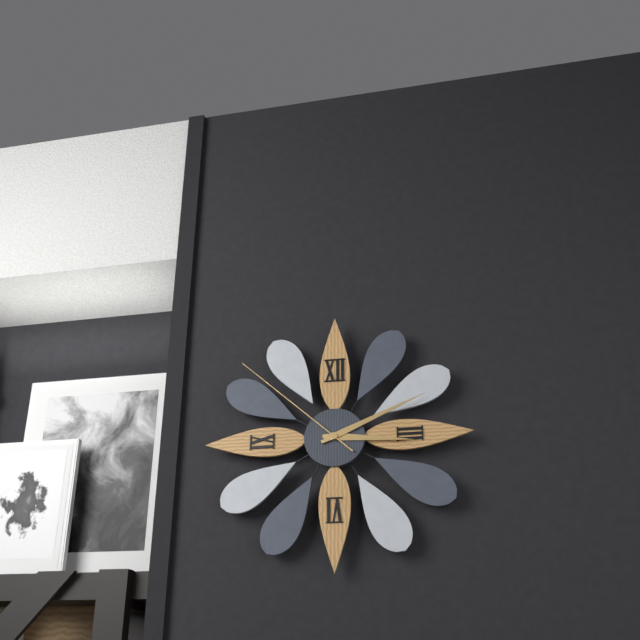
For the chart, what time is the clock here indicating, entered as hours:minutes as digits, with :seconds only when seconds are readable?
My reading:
3:11:52
